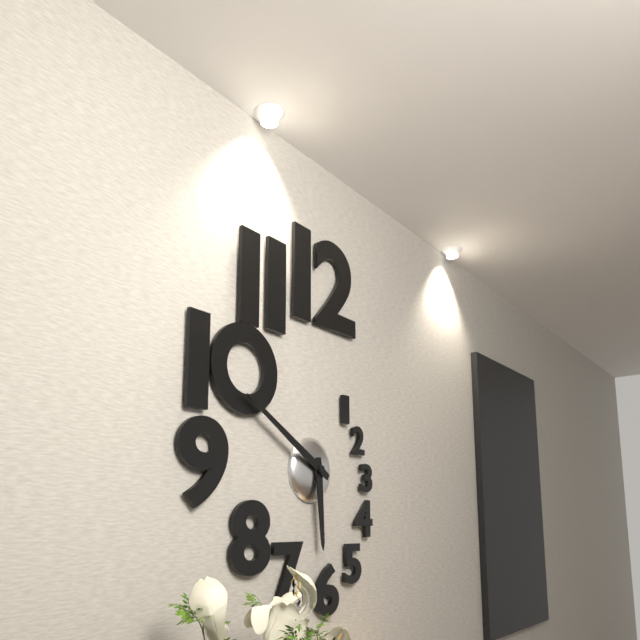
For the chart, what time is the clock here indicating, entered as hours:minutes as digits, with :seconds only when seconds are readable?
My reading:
5:50
